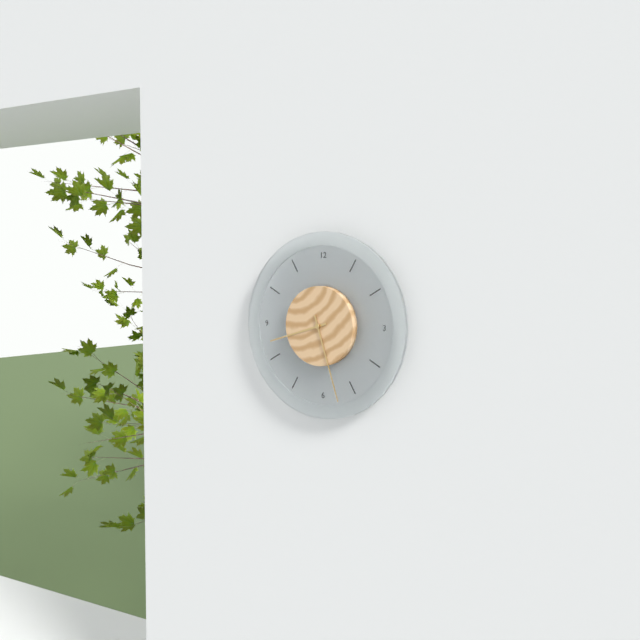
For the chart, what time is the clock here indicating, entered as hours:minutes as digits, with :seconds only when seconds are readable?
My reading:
8:27
